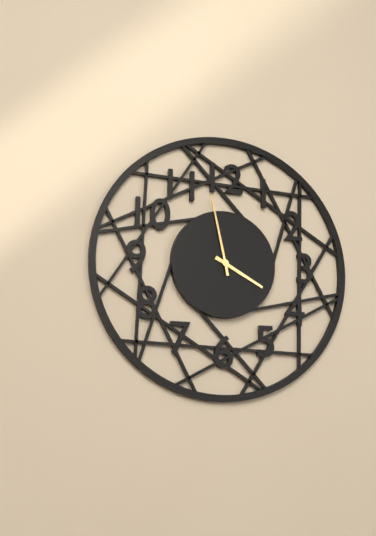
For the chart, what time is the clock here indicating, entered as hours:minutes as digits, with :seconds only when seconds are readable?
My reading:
3:58
